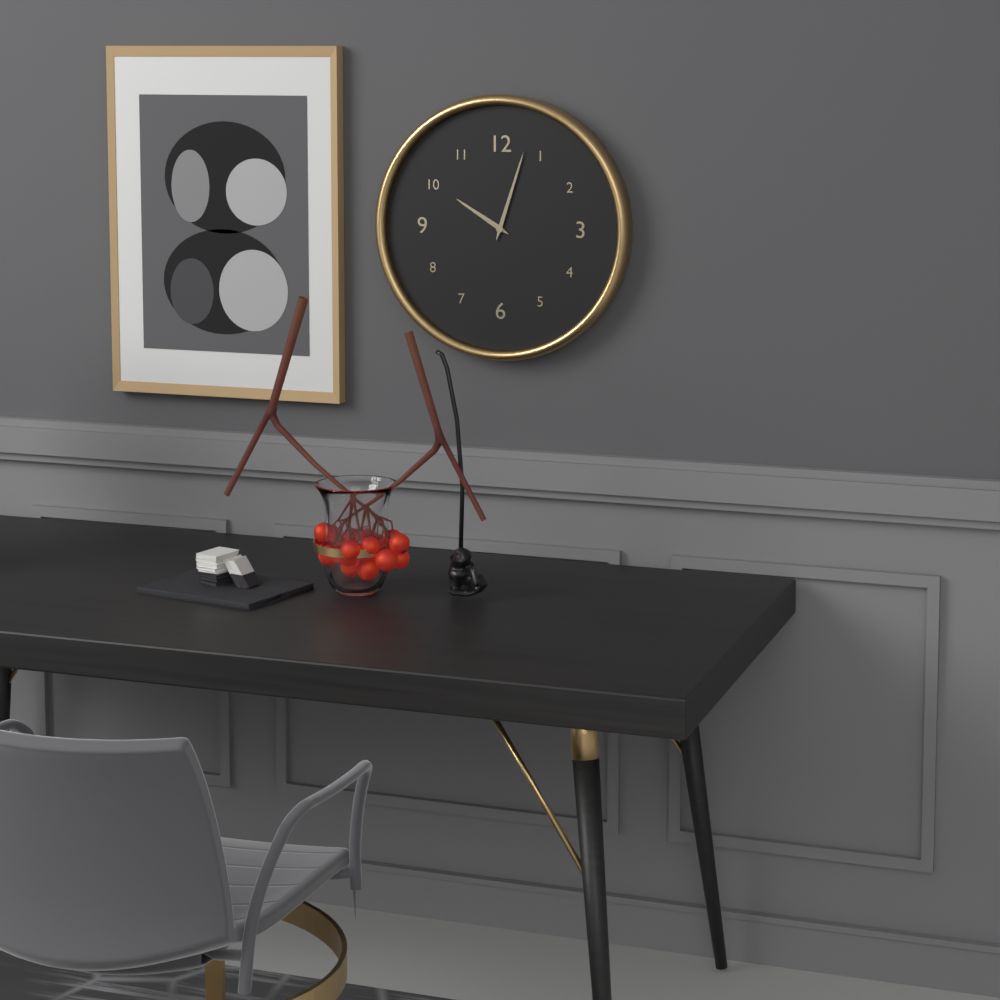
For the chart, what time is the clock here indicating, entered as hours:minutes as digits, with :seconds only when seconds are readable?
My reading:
10:03
